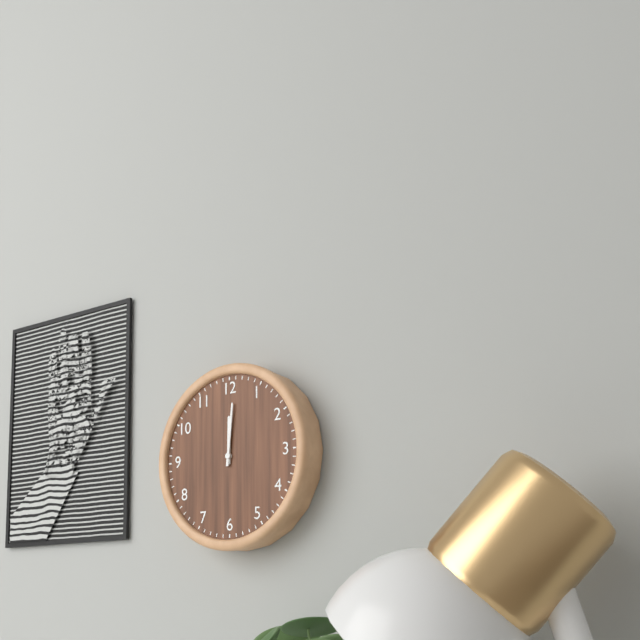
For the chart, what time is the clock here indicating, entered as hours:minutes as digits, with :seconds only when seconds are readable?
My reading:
12:01
